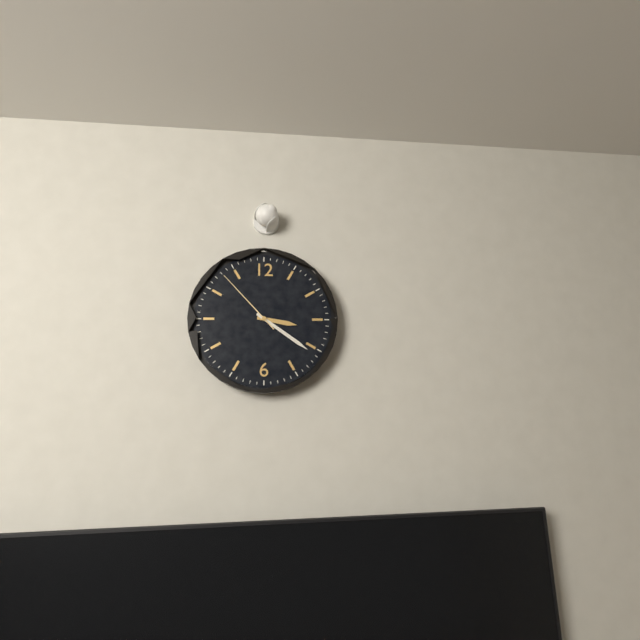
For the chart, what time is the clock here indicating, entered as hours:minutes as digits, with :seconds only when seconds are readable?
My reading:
3:21:53
